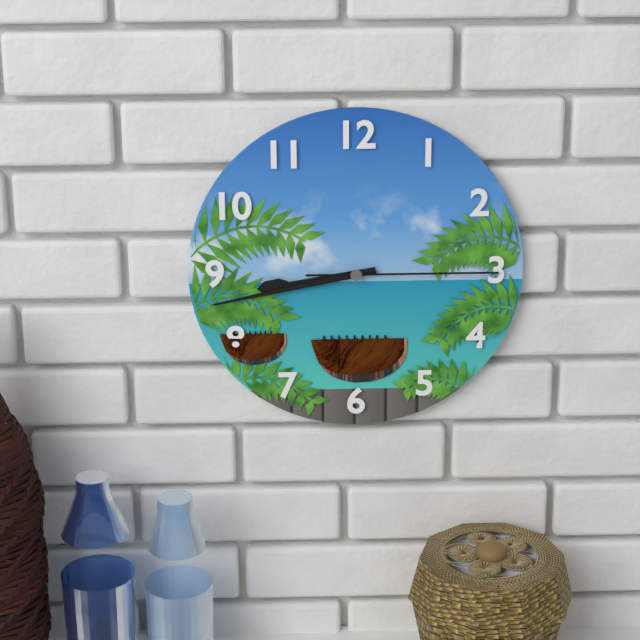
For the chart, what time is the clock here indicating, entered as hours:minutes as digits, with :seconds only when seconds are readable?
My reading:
8:43:15
